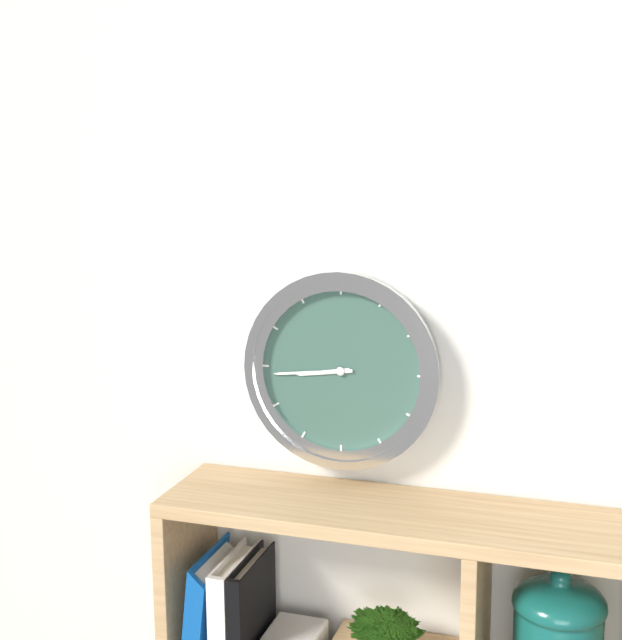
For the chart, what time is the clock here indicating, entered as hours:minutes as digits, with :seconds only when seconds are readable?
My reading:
8:44
